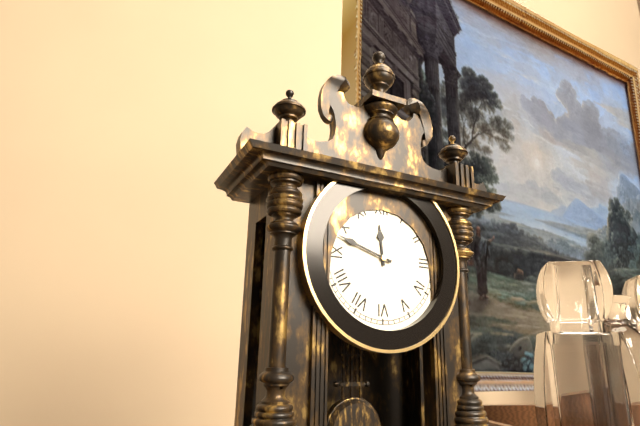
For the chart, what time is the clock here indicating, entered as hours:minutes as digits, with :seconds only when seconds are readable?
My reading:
11:48
